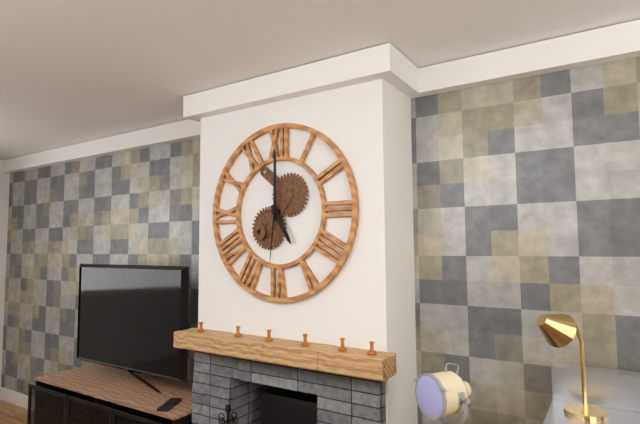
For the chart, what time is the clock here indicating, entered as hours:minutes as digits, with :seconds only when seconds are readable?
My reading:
5:00:31
